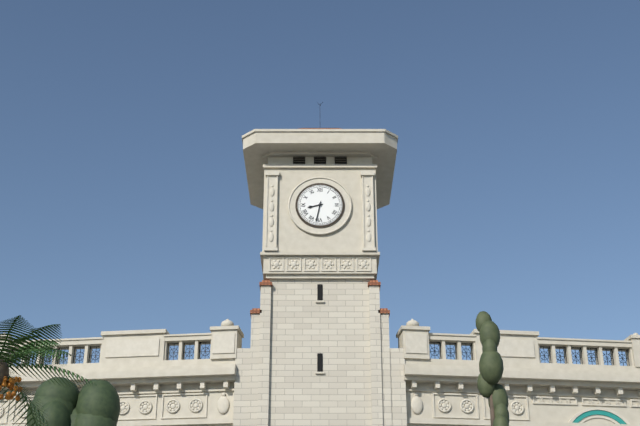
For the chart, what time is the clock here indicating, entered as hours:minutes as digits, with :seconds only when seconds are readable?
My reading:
8:32
